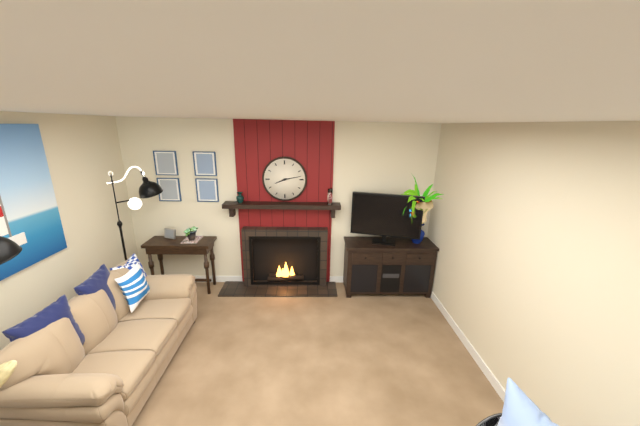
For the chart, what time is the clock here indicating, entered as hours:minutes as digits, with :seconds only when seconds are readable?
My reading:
8:13
